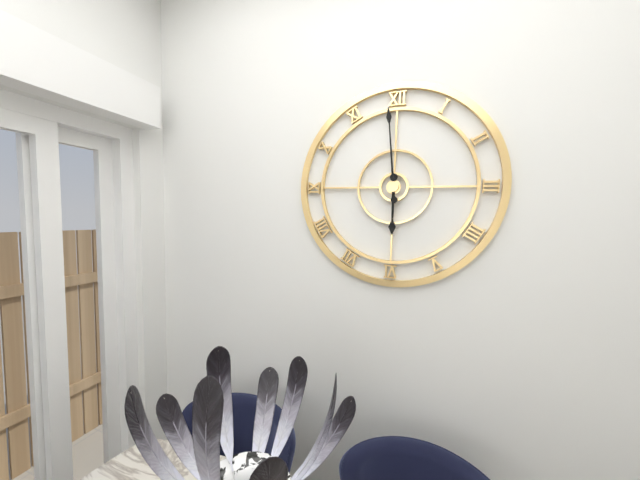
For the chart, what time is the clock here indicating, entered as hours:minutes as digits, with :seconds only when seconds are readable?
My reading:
5:59
